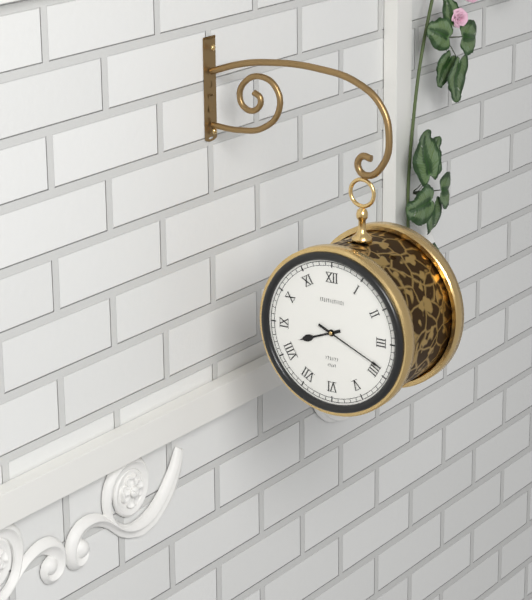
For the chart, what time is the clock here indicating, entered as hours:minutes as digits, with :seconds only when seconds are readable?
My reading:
8:19
